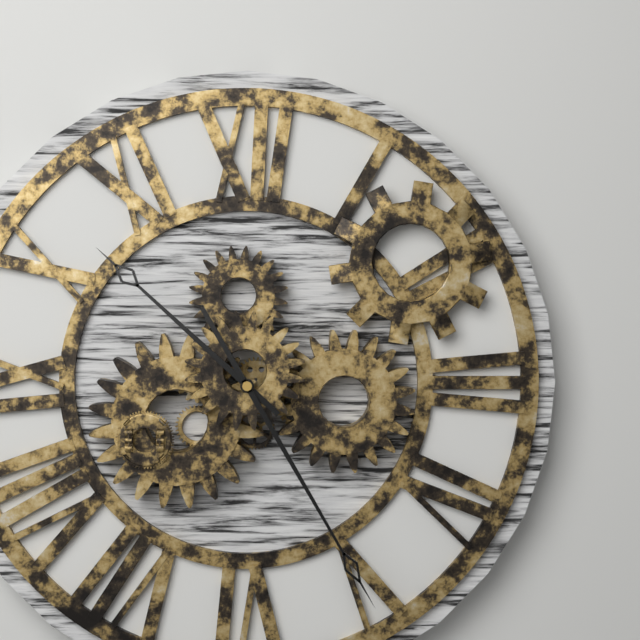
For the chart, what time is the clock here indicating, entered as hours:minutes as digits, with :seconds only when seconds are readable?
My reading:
10:25
